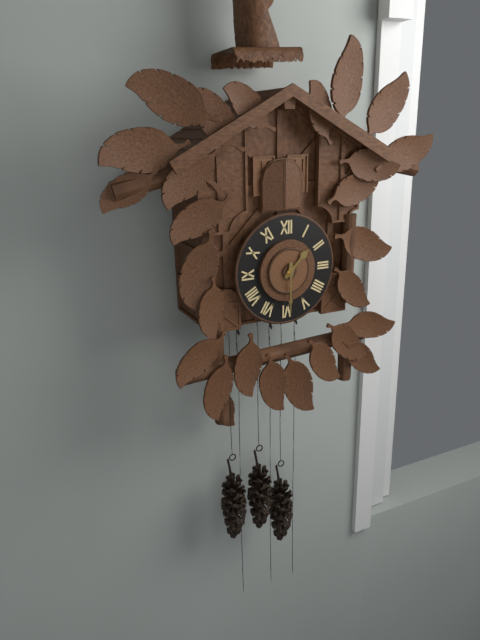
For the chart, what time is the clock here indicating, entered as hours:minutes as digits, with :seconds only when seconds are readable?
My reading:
1:30
